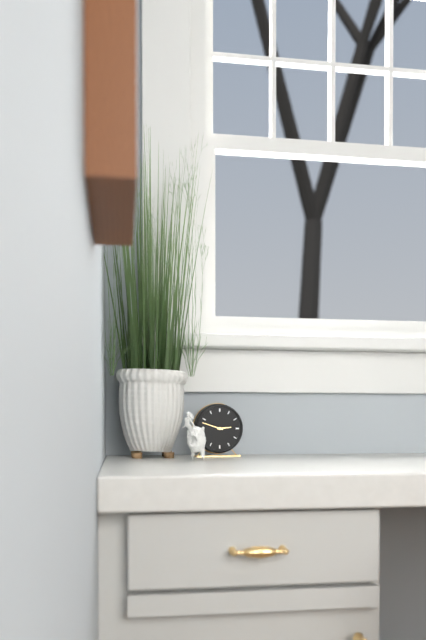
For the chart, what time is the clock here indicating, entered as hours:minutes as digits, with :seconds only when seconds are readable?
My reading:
2:48
